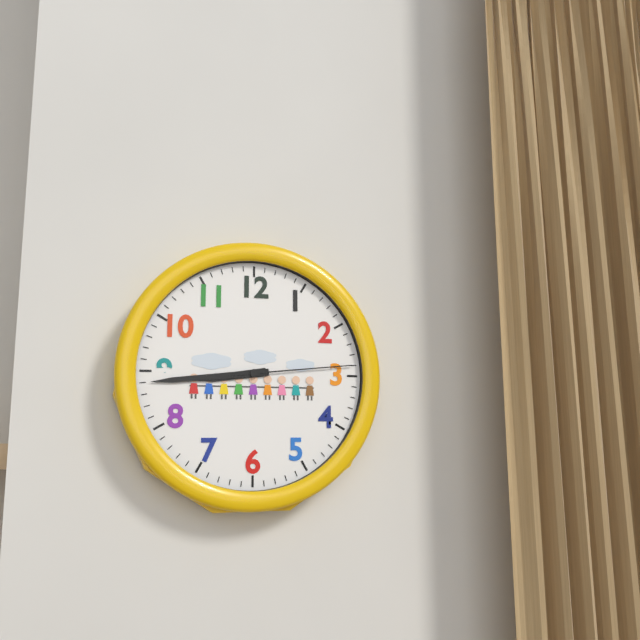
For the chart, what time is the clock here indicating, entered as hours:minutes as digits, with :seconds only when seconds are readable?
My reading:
8:44:14
